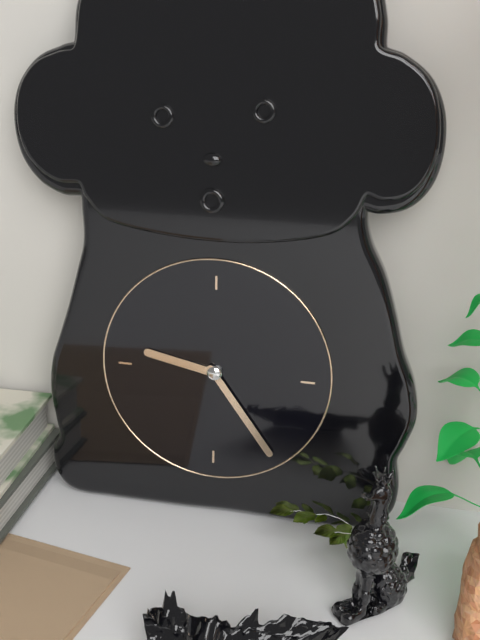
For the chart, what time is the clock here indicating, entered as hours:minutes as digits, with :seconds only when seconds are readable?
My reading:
9:24
